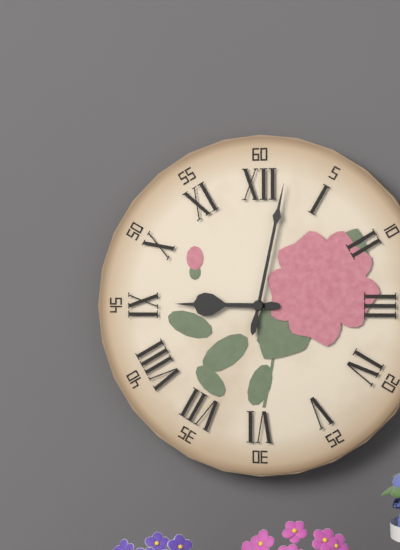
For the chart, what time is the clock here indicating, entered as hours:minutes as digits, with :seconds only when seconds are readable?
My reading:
9:02
